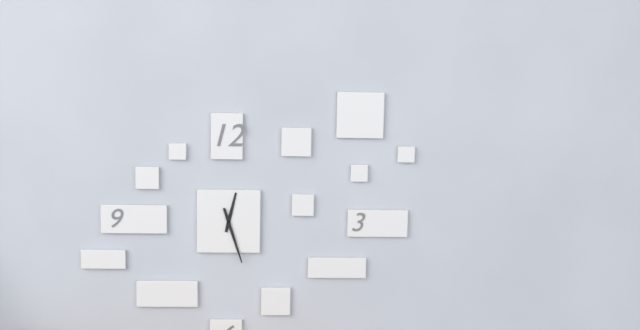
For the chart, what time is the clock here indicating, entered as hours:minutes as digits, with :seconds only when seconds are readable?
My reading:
12:27
